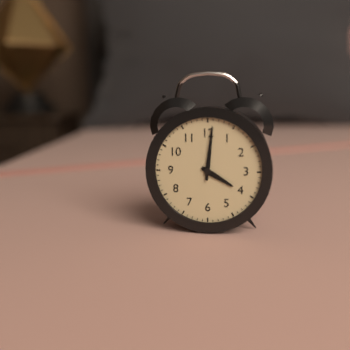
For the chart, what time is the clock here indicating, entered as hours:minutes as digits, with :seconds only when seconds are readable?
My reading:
4:01
